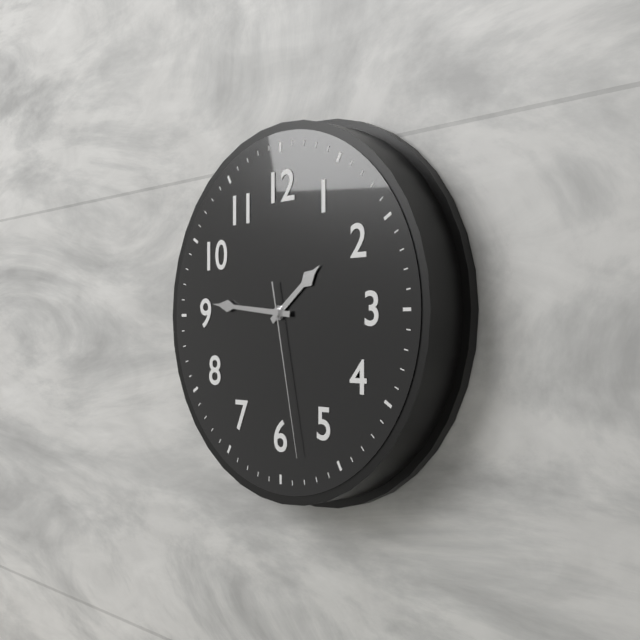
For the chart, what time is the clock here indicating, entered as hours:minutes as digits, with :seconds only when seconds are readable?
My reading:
1:46:28
